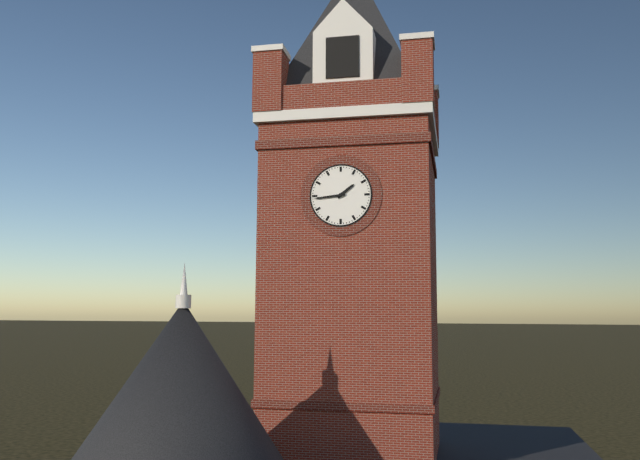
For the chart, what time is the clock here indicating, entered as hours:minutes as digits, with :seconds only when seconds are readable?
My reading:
1:44
